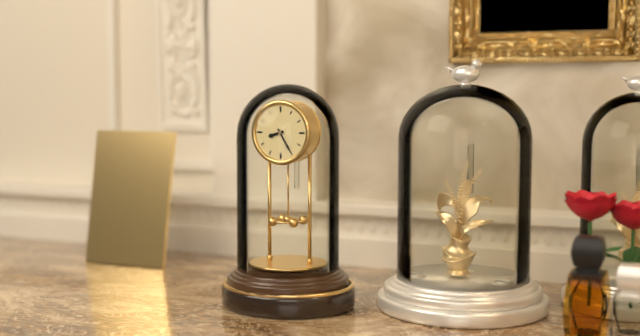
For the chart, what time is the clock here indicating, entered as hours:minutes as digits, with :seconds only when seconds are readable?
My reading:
8:25
